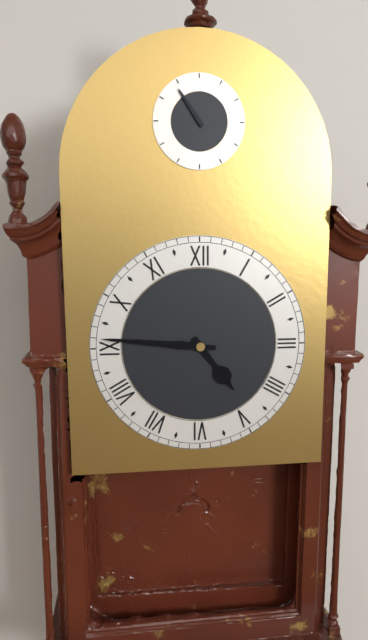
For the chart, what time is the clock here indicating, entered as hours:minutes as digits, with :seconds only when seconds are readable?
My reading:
4:46
